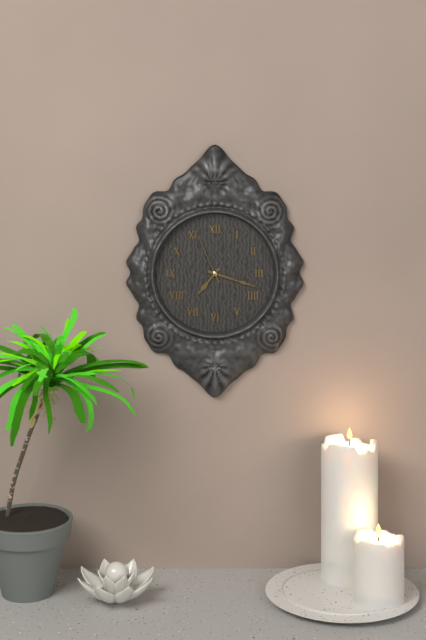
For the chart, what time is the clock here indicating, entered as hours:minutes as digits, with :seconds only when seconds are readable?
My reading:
7:18:56
